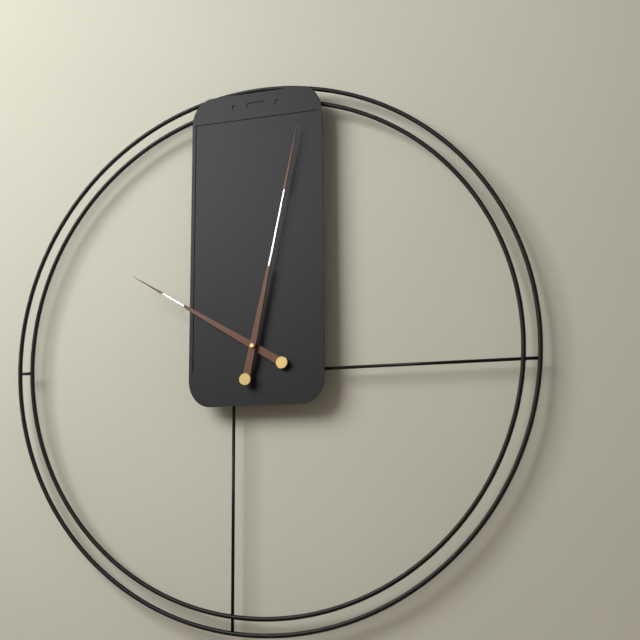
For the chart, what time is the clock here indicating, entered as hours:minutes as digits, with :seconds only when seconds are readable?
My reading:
10:02
